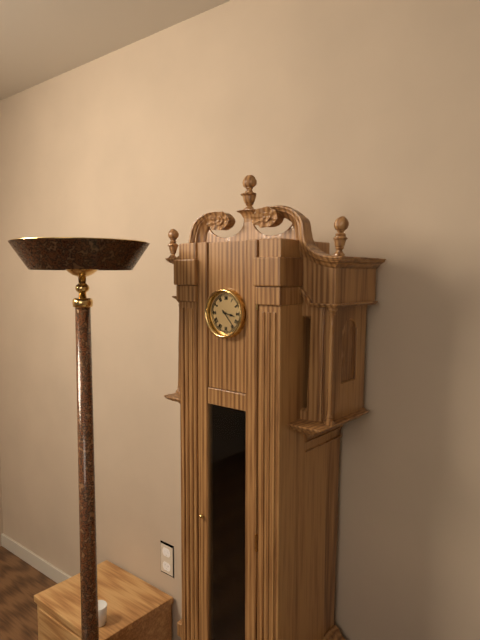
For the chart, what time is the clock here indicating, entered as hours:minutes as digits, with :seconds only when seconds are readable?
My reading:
3:23
